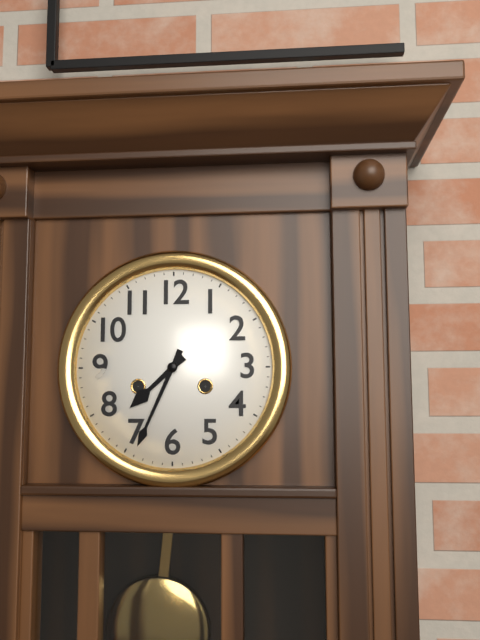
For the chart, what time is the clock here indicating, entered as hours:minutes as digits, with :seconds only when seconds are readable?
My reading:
7:34
